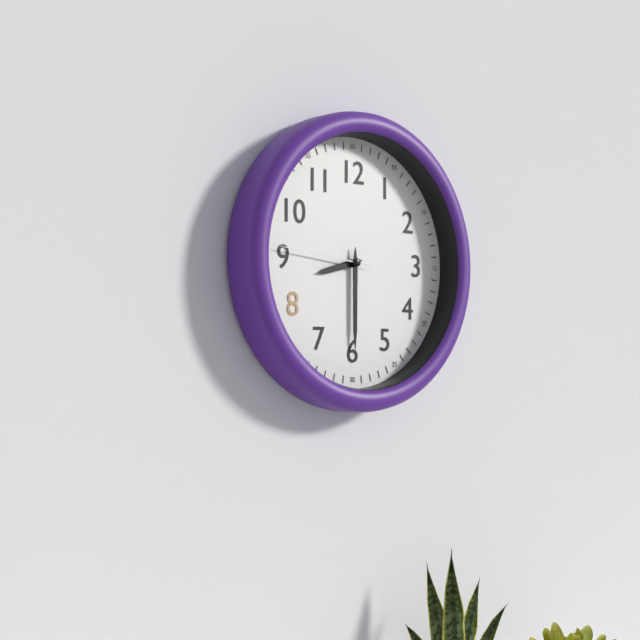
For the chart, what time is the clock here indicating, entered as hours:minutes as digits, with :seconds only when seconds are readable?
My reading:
8:30:46
